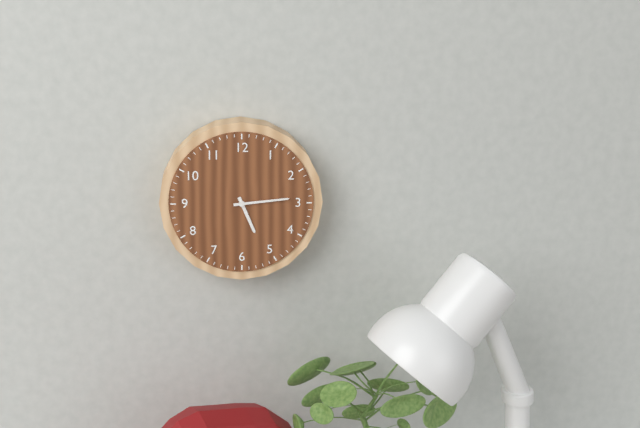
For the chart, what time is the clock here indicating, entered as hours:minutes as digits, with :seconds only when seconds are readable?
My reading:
5:14
